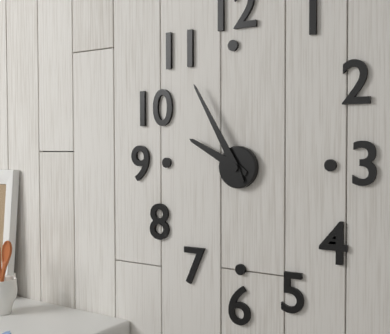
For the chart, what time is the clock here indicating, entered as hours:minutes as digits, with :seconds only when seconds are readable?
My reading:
9:55
